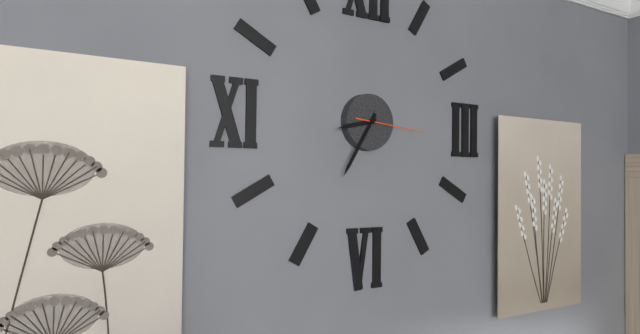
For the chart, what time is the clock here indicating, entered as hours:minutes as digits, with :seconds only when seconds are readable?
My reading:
8:35:16
